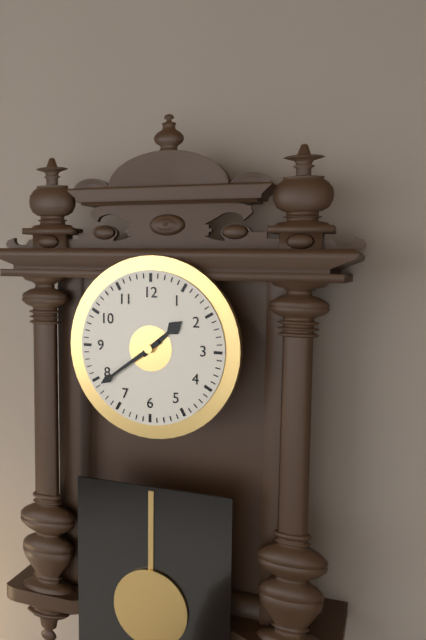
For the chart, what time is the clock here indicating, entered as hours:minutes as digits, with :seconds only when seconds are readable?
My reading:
1:39
